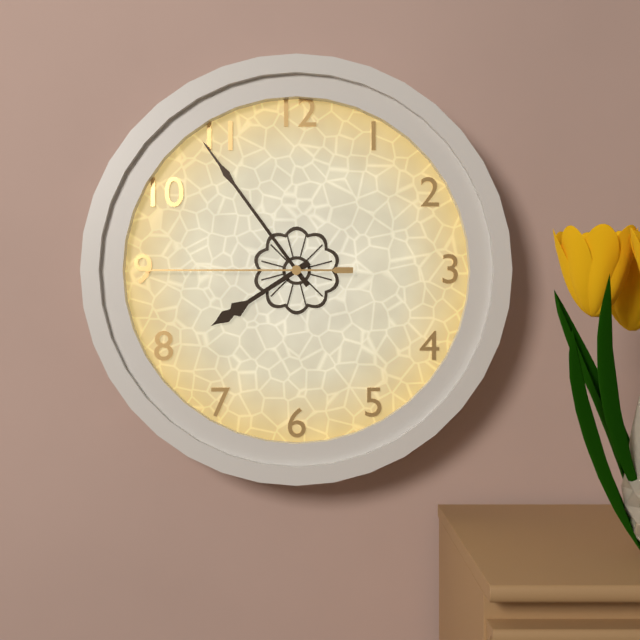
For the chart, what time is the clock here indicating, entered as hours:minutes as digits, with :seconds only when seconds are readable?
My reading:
7:54:45
